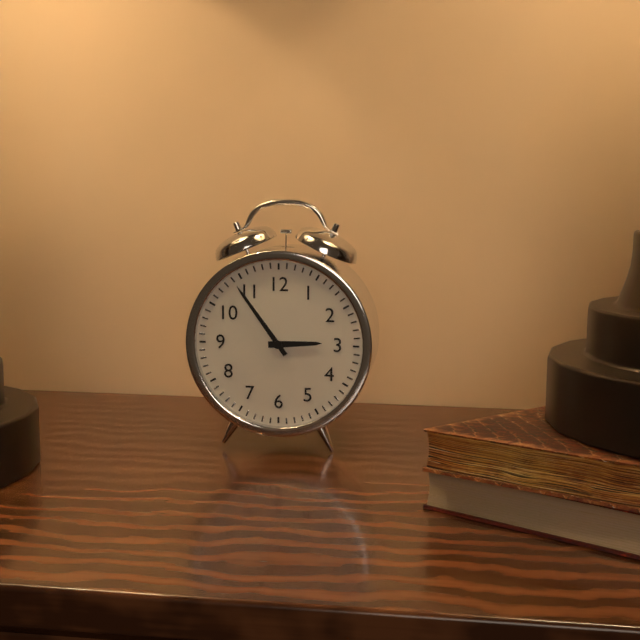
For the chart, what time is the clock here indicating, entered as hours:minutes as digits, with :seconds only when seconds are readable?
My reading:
2:54
